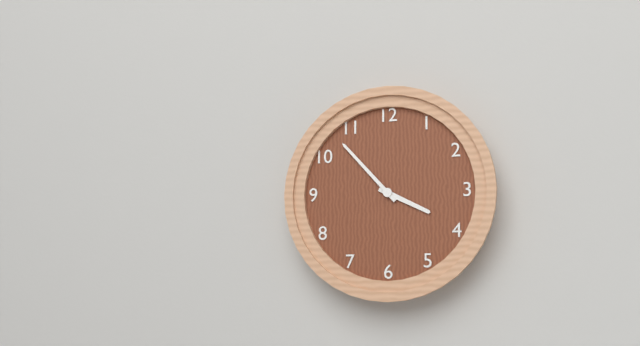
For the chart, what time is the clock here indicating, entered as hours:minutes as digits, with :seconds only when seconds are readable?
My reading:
3:53
